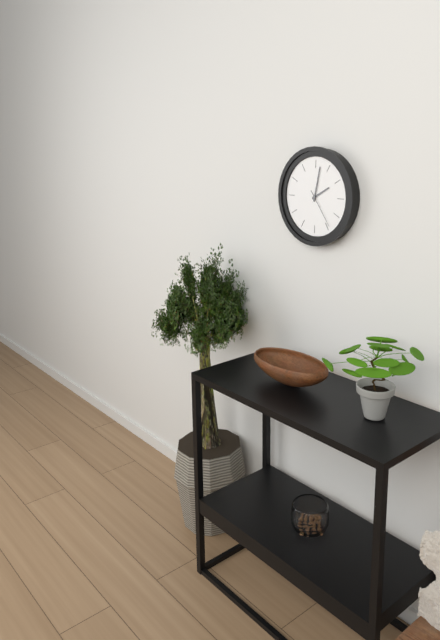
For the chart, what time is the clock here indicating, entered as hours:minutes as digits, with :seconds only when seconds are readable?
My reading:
2:02
